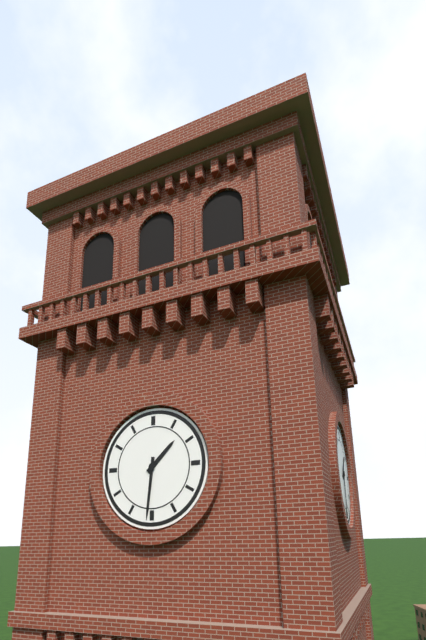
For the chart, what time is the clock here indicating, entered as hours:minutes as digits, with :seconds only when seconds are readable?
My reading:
1:31
